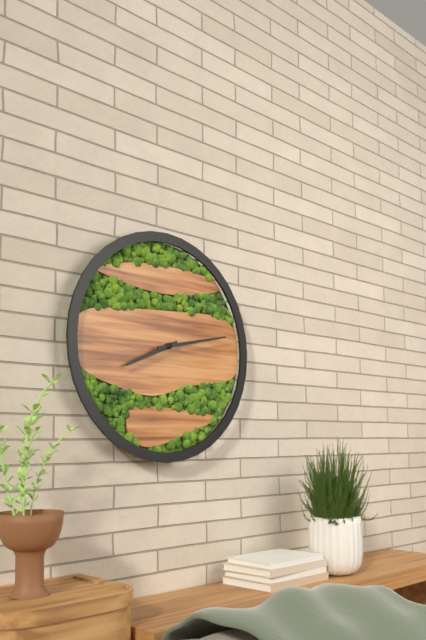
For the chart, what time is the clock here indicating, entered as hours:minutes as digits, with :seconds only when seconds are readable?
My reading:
8:13
